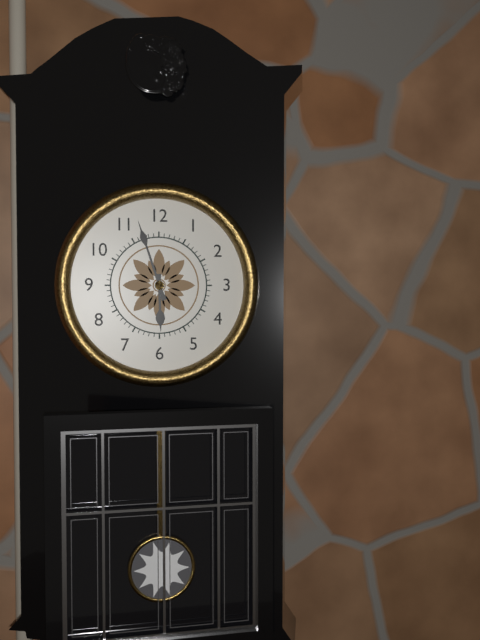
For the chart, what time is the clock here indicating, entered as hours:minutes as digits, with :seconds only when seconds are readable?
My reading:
5:57
